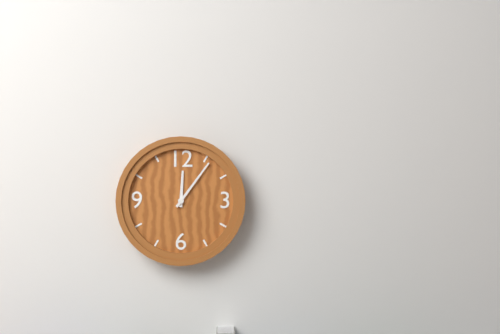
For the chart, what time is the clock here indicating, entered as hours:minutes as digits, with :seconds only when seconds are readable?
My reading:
12:06
